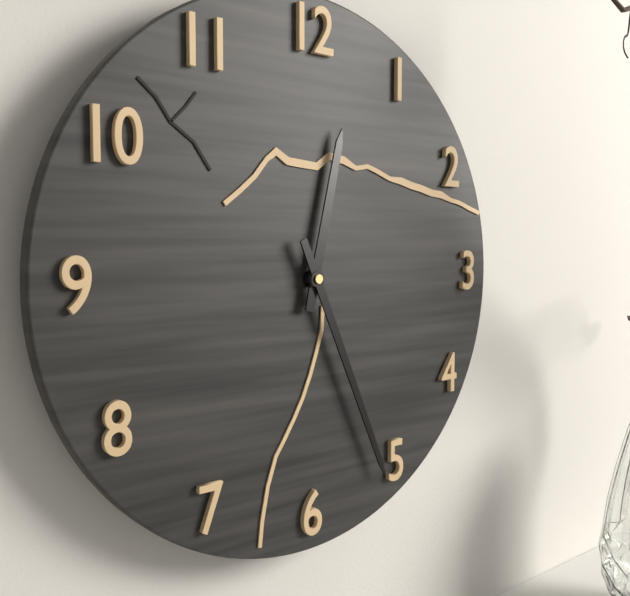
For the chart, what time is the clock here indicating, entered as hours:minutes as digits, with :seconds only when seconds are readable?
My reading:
12:26
